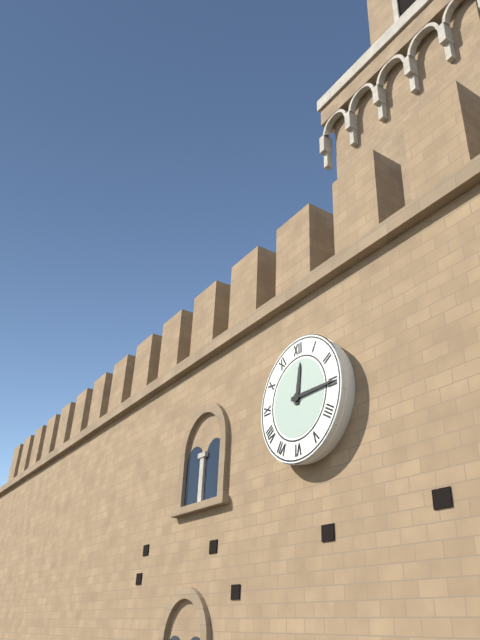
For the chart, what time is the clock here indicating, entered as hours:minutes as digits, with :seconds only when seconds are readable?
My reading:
12:15
